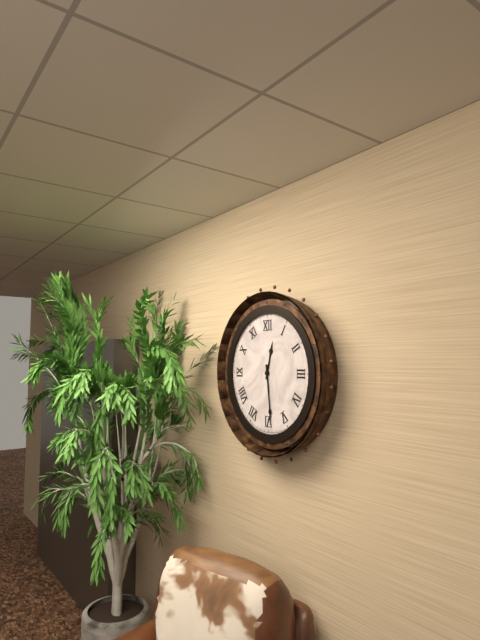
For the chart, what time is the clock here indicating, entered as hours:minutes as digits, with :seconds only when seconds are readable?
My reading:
12:29
